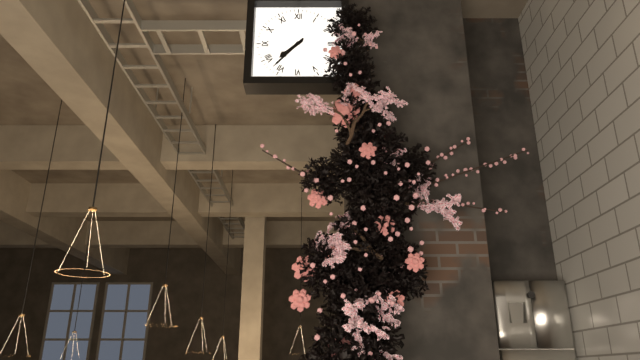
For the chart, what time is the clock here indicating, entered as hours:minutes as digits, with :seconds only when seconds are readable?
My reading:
7:37
